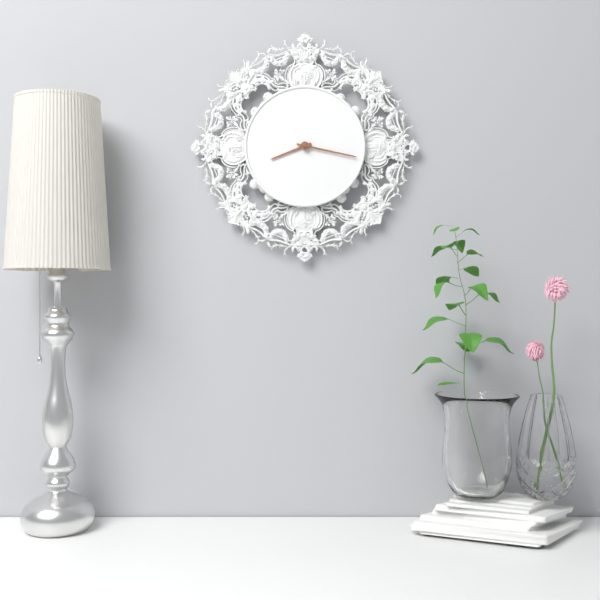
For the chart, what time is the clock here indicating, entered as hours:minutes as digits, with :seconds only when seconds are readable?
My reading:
8:17
